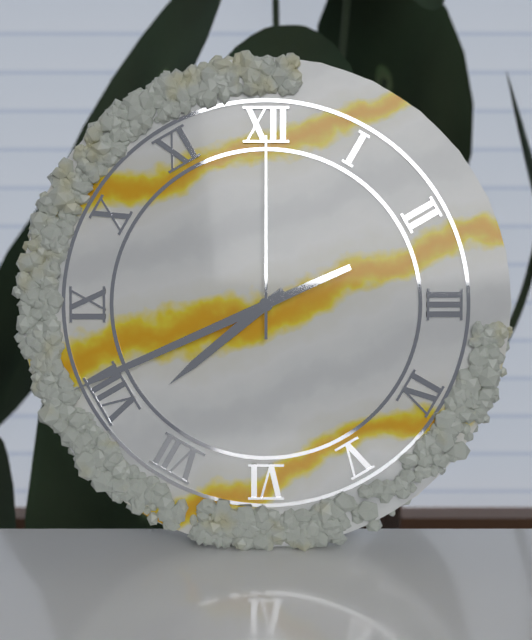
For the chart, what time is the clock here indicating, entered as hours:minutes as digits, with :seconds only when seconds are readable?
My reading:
7:41:00
